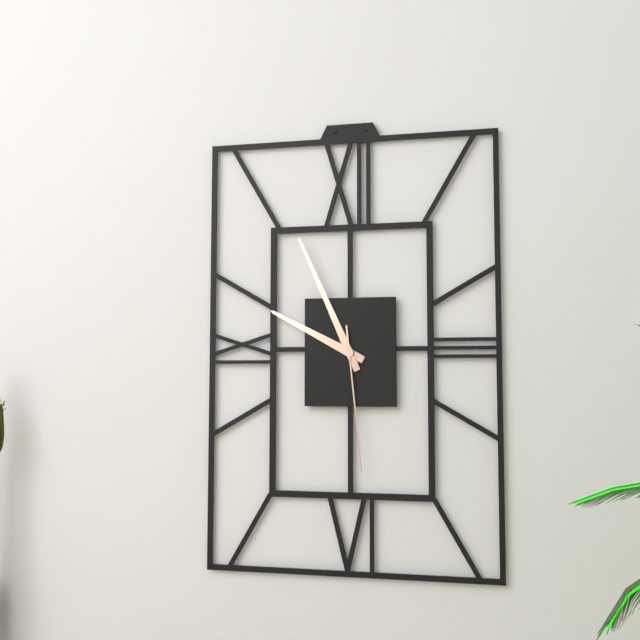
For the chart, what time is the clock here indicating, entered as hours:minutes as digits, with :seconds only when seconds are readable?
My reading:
9:56:29
